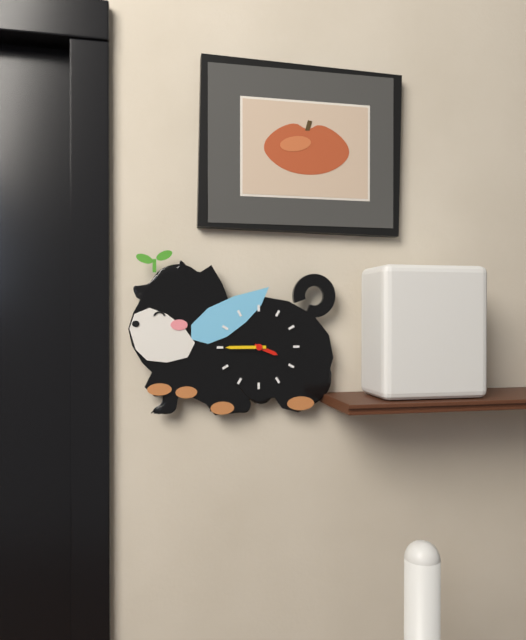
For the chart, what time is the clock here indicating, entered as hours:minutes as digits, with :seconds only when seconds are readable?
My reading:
3:45
